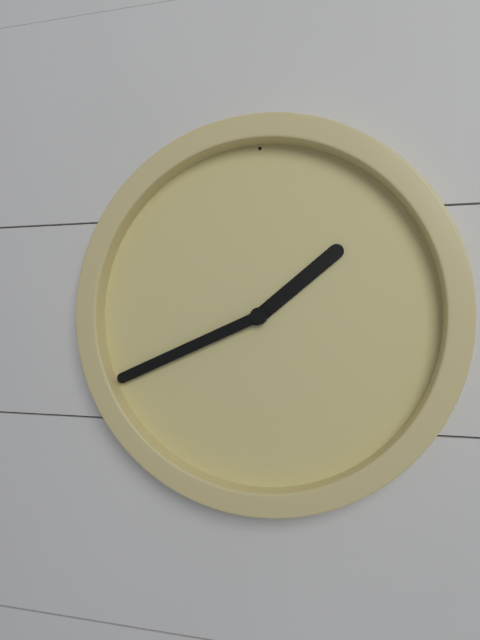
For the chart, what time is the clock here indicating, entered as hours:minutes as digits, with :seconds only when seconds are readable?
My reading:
1:41
